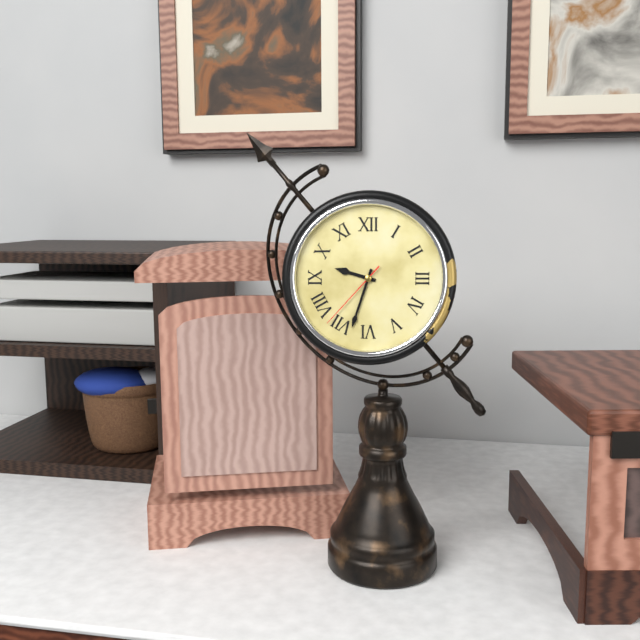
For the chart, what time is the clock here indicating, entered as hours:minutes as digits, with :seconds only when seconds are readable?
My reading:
9:33:37
